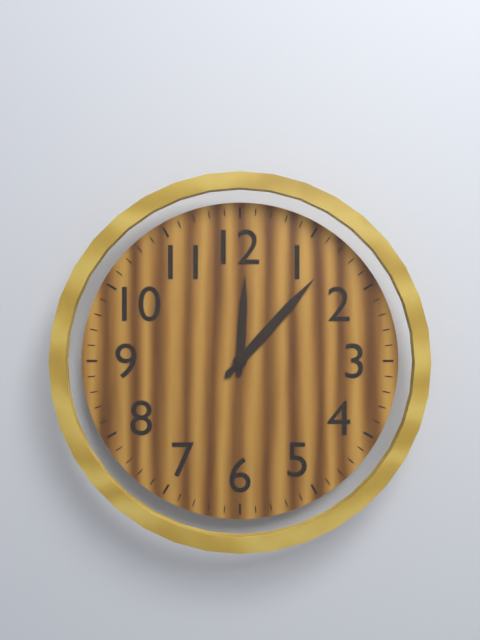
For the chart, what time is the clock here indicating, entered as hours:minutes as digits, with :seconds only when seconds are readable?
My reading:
12:07
